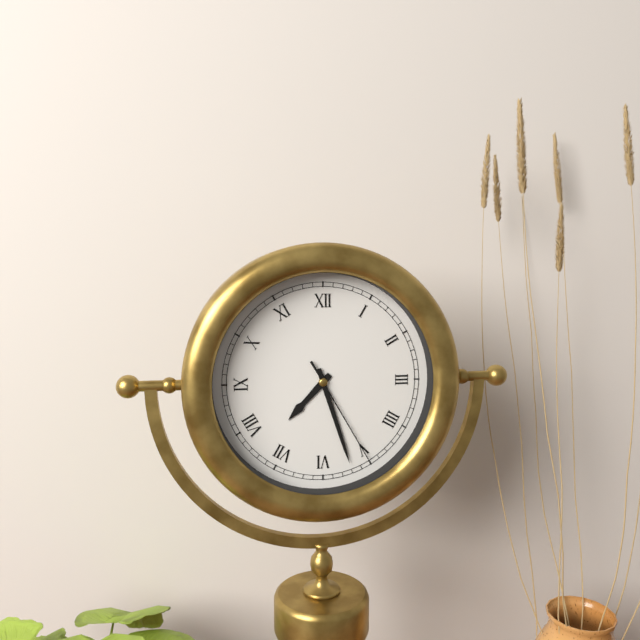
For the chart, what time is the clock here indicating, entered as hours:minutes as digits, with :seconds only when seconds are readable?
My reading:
7:27:25
